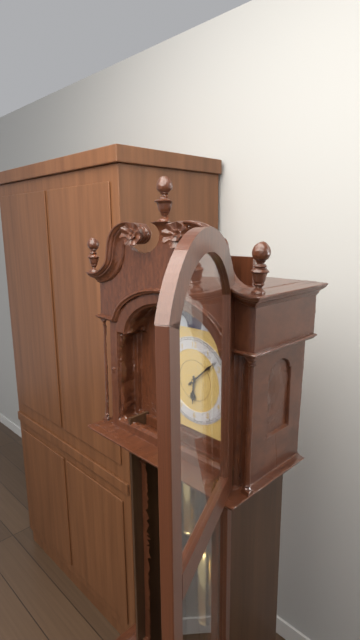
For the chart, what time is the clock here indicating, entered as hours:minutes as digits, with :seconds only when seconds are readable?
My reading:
6:08
